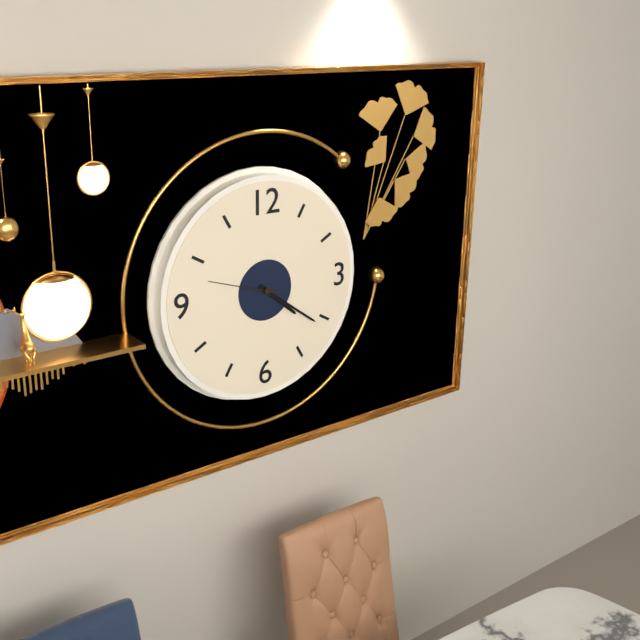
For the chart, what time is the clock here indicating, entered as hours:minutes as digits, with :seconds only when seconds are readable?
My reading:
4:21:48
